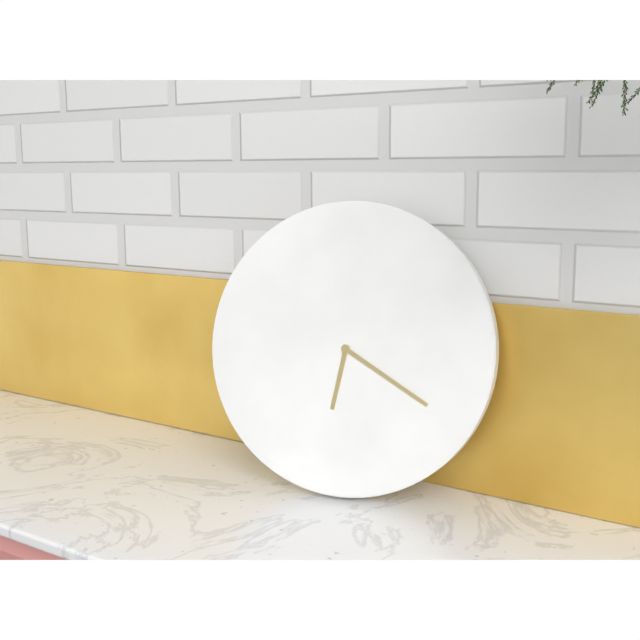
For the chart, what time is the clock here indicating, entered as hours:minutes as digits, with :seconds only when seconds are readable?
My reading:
6:20
